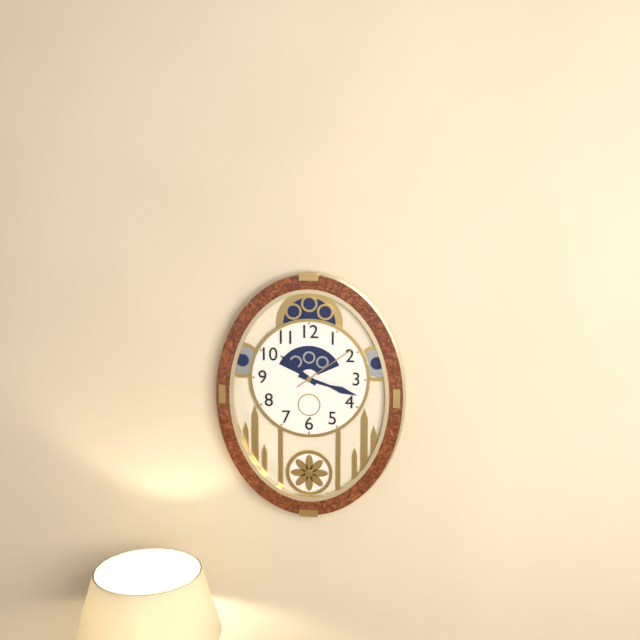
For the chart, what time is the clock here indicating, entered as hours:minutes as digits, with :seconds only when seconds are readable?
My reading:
10:18:09
